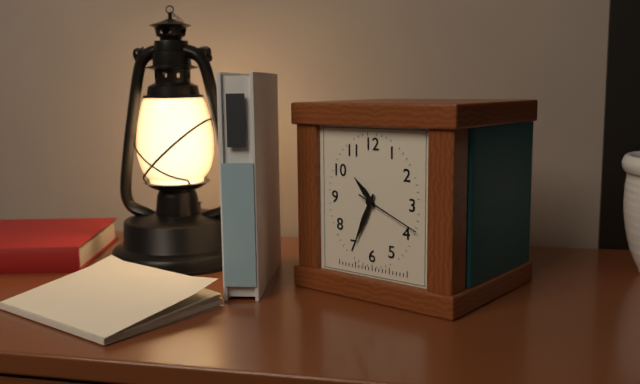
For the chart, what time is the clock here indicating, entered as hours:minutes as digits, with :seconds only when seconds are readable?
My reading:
10:34:19
